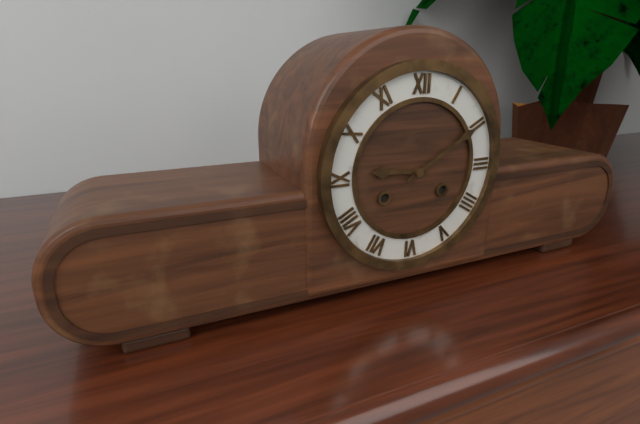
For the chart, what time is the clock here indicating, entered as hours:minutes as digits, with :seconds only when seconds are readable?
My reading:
9:10
